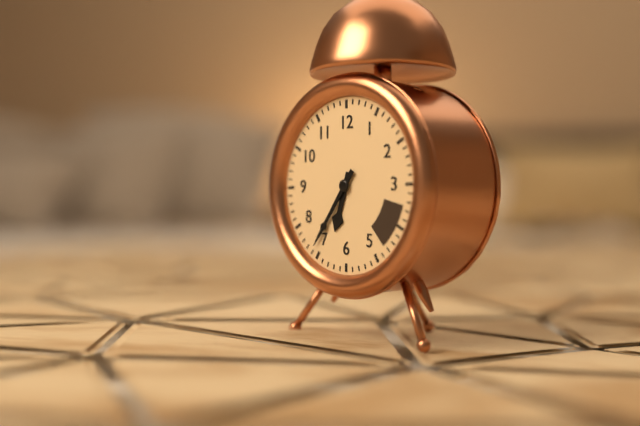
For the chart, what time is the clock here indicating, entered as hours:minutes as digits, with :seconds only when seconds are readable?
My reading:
6:36
